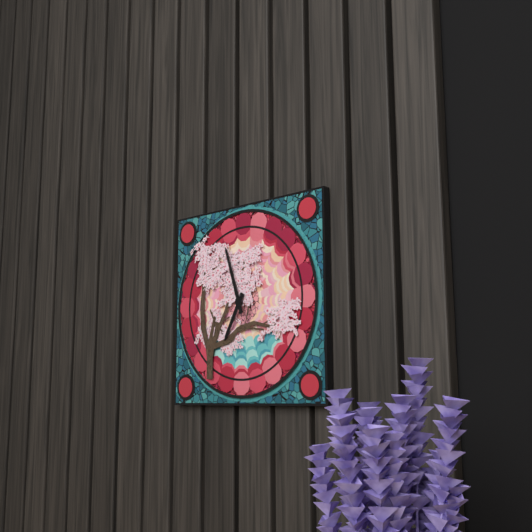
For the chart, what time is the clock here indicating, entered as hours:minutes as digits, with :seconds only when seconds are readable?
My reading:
6:57
